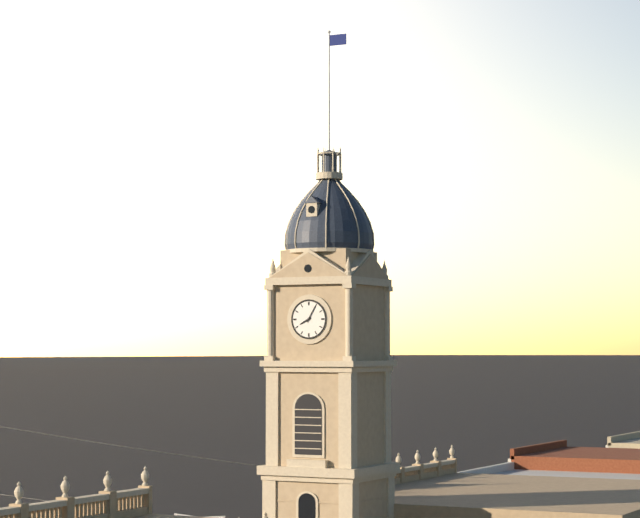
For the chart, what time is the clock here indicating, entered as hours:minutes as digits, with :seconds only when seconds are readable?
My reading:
8:05
